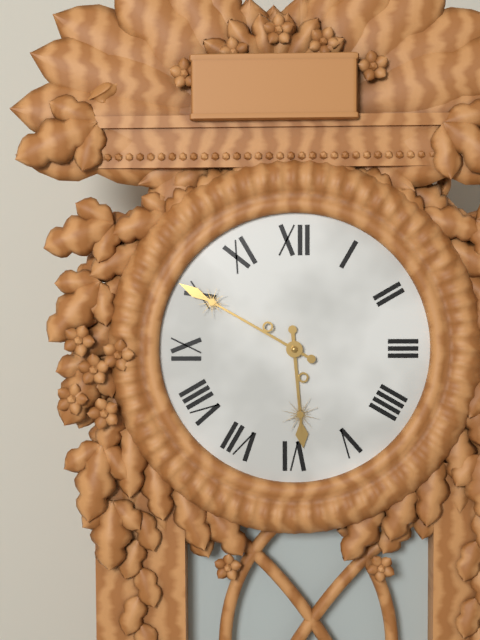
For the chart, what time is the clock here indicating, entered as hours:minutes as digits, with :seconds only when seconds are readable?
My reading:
5:50
